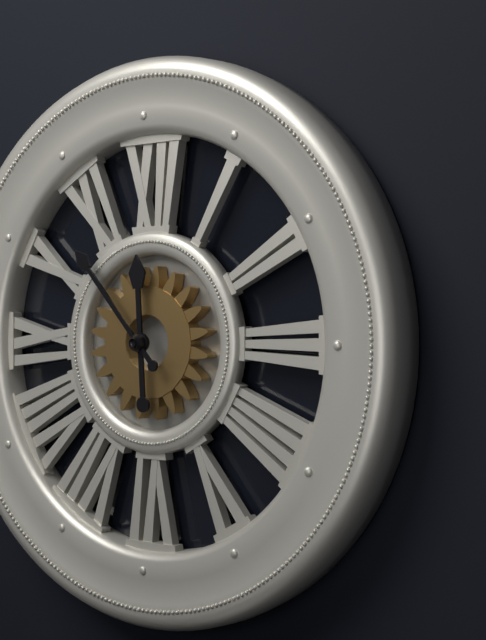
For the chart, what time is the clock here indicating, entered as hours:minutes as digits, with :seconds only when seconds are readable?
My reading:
11:53
